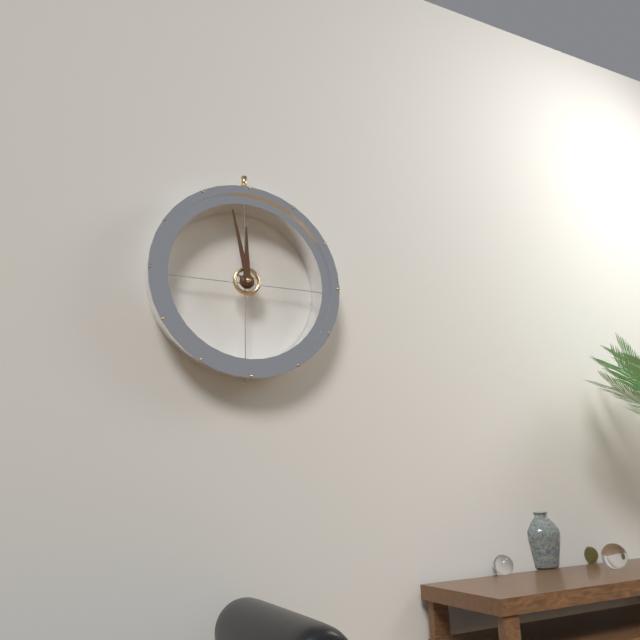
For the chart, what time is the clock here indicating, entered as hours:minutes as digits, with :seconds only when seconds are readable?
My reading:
11:58
